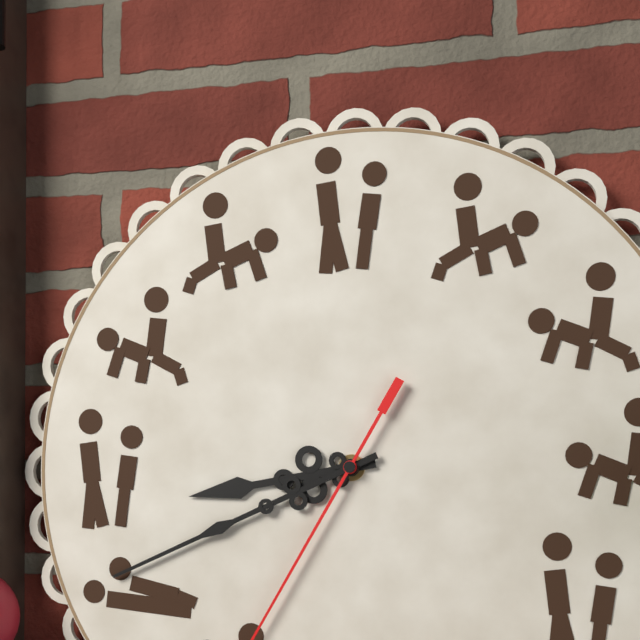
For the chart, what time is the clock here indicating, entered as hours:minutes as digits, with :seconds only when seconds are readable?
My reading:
8:41
